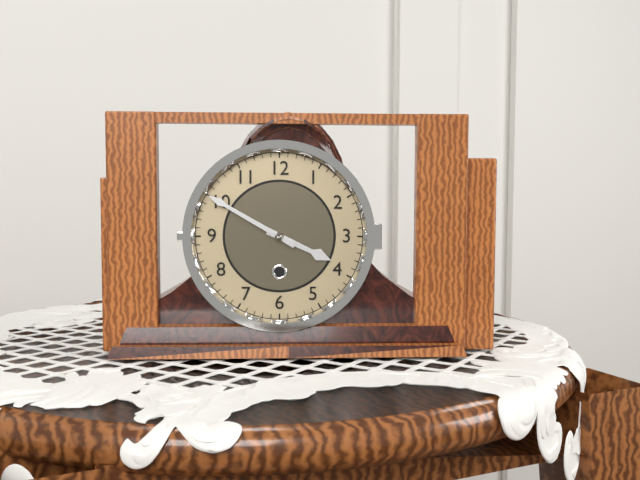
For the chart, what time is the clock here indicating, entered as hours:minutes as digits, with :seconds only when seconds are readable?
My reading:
3:50
